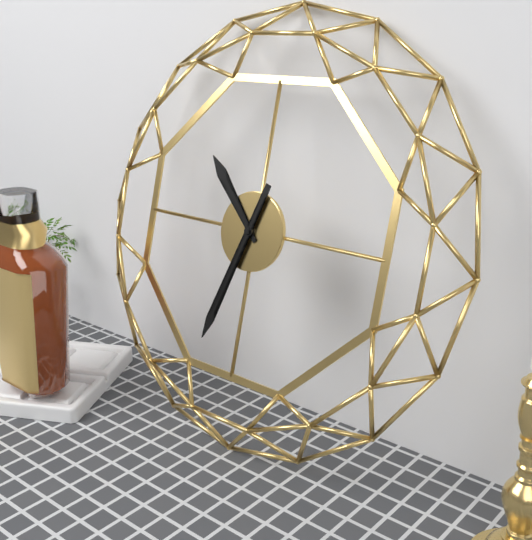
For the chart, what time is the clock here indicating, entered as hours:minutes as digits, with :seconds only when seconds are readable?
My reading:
10:33
